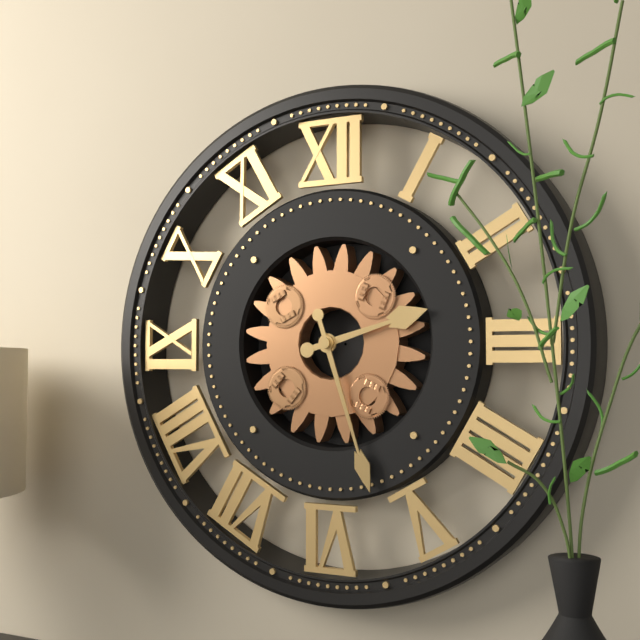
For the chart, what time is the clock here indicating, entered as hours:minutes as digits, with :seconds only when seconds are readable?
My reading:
2:27
